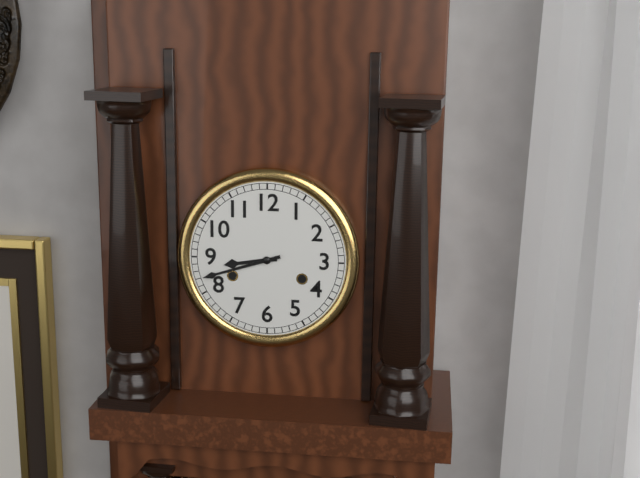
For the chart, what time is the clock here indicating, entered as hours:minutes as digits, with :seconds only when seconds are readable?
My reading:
8:42
